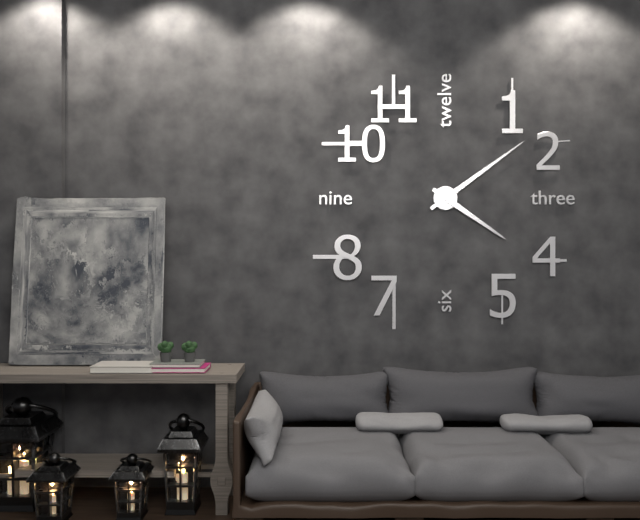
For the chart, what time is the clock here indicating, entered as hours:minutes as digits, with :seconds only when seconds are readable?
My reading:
4:09
